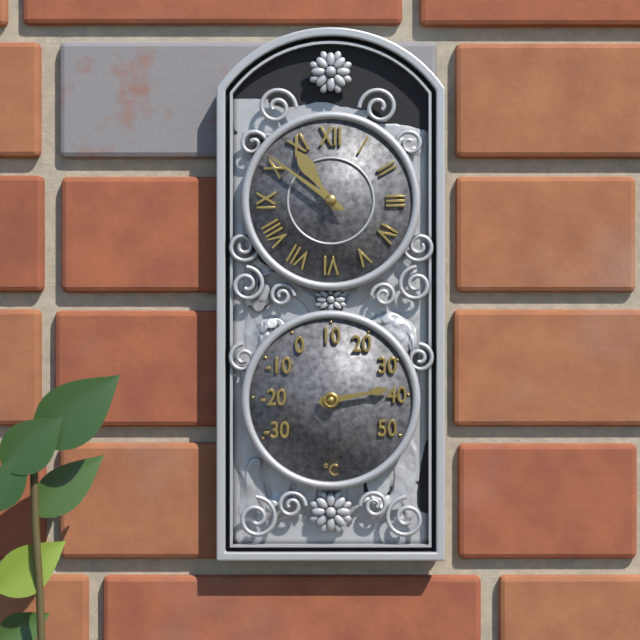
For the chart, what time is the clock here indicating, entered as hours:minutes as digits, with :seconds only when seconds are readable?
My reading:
10:51
